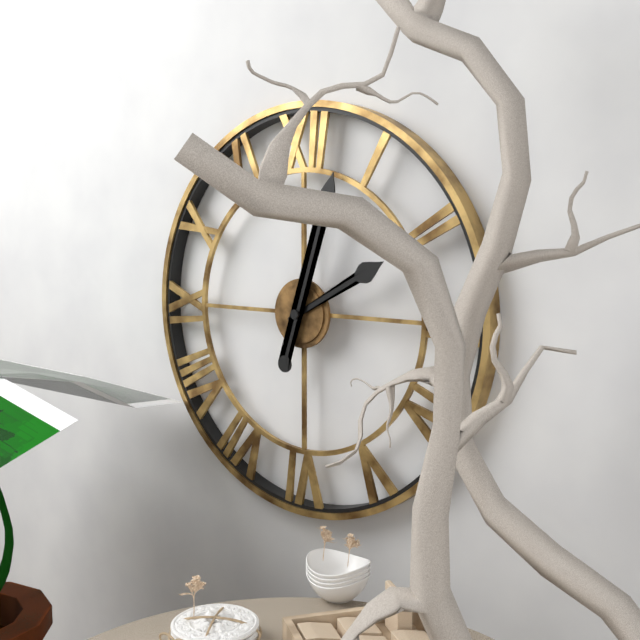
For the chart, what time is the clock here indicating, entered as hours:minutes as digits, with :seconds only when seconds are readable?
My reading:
2:03
